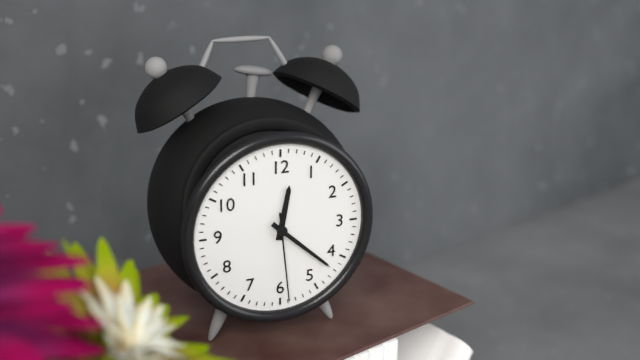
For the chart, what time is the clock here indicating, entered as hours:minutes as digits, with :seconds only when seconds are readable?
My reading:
12:22:29
